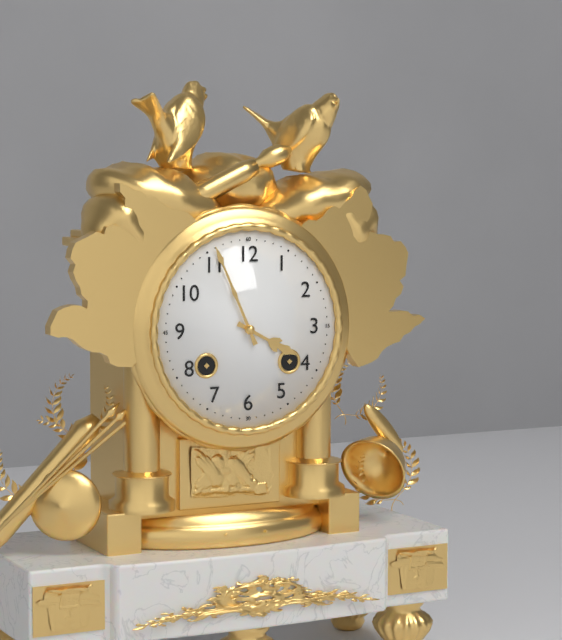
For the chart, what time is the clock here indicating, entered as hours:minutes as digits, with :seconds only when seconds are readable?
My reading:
3:56
